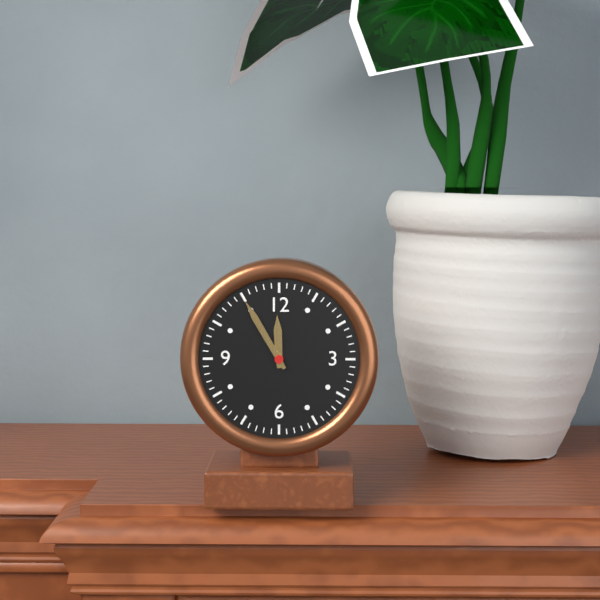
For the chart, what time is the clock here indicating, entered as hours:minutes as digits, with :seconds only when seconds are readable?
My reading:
11:55
